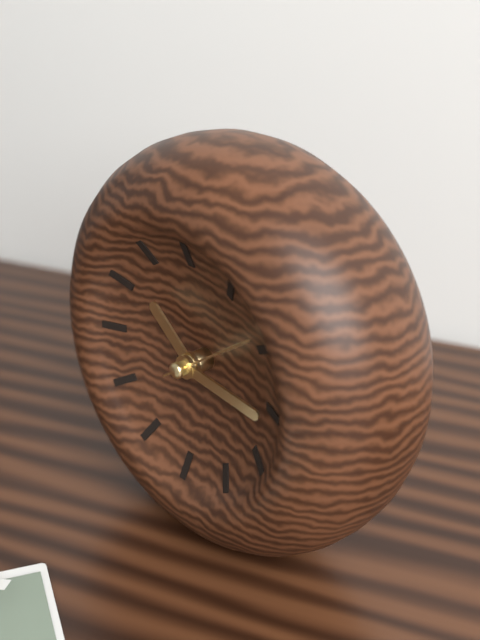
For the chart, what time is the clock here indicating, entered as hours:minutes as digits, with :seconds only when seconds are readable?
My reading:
10:16:09
